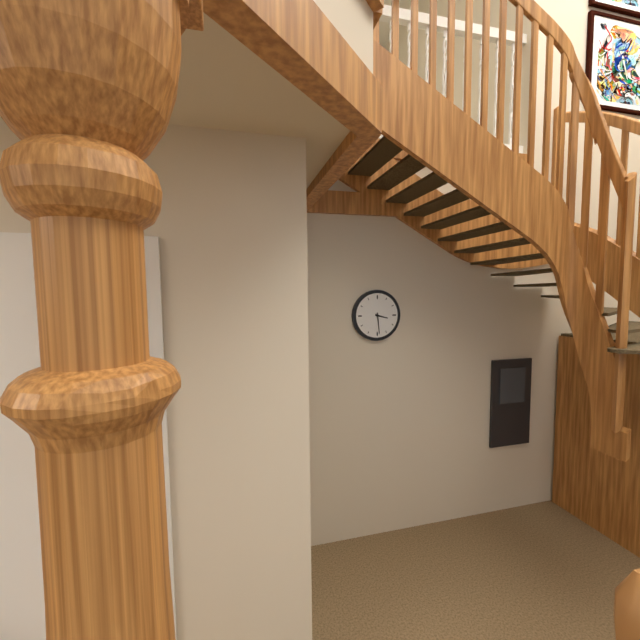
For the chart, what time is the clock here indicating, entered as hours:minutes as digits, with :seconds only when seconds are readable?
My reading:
3:29
